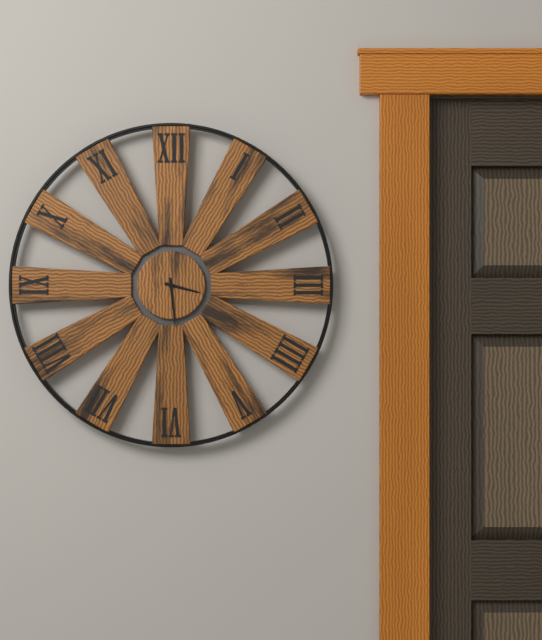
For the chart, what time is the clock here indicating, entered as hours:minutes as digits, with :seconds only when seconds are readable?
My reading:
3:29
